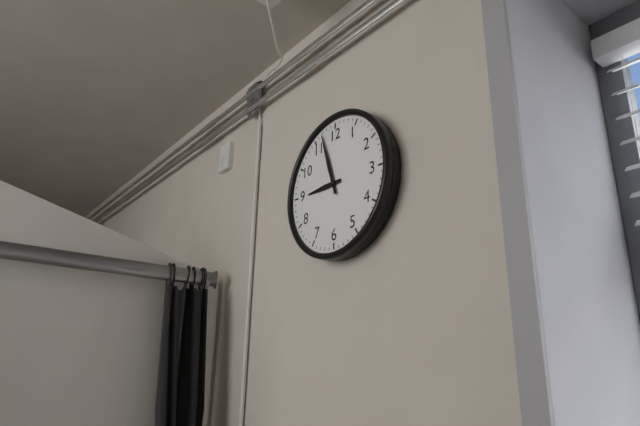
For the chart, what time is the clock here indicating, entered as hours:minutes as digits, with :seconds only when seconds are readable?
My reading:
8:57
